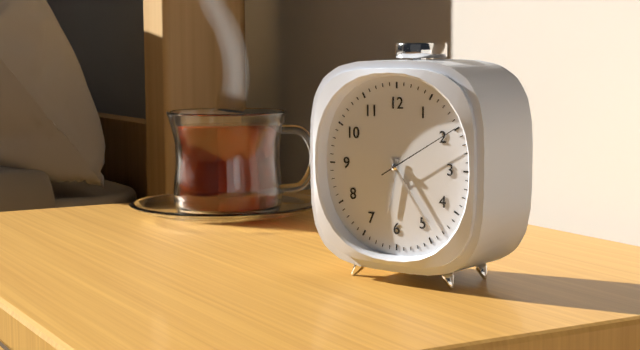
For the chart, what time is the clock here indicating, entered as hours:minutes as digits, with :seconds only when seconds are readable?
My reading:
6:24:10
